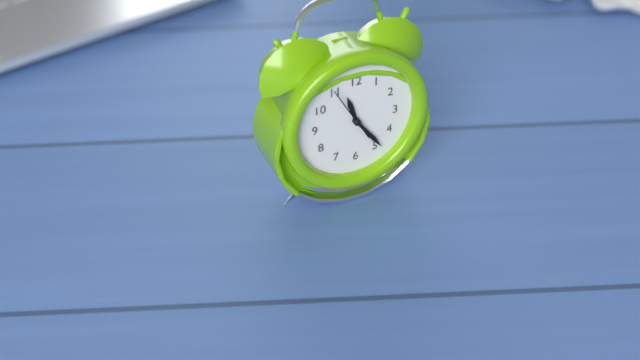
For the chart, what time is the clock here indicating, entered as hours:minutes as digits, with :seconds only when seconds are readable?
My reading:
11:24
